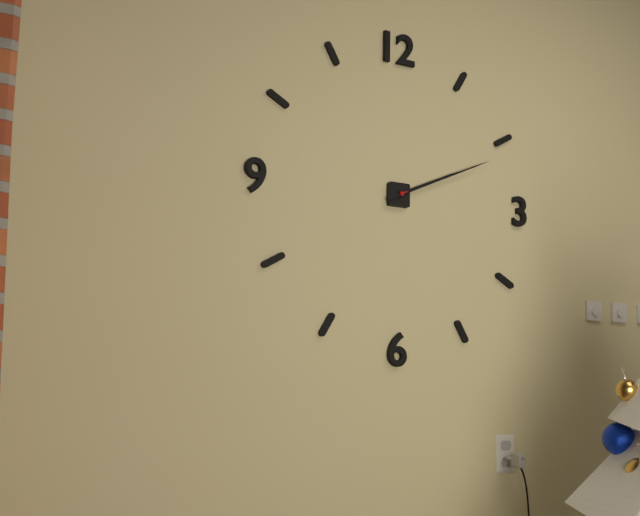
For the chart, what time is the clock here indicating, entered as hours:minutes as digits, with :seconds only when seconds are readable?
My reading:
2:11
